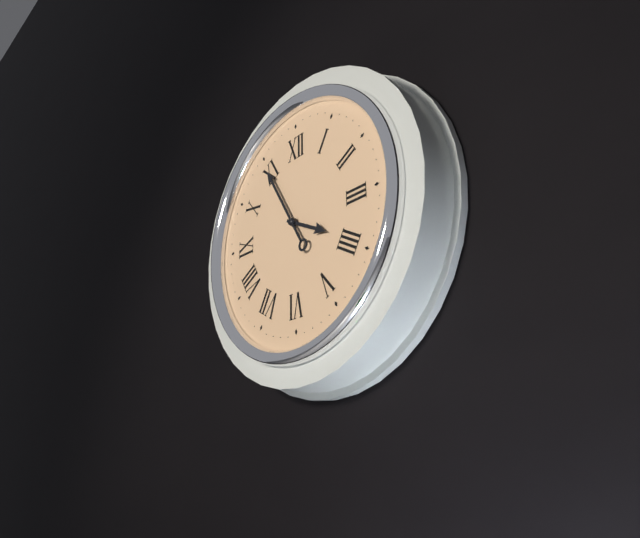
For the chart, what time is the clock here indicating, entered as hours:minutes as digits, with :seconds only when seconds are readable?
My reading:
3:55
